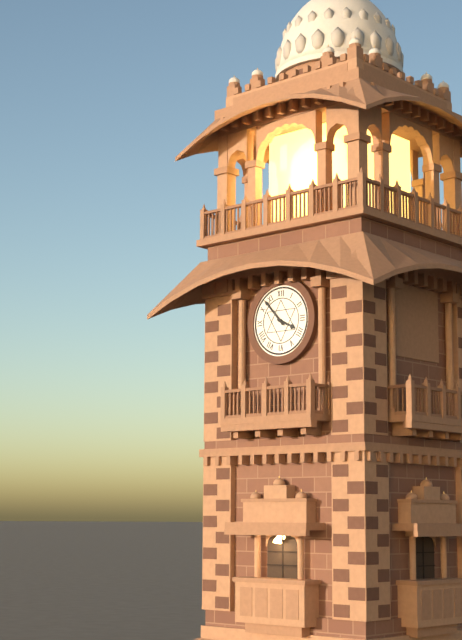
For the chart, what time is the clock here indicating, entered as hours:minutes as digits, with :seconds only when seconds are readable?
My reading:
3:53
